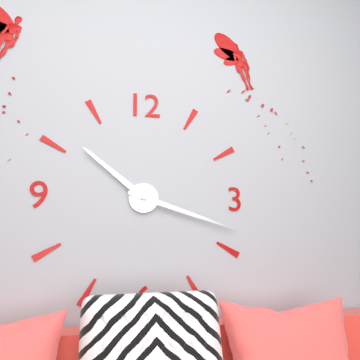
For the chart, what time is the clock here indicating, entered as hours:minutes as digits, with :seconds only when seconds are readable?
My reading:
10:18
